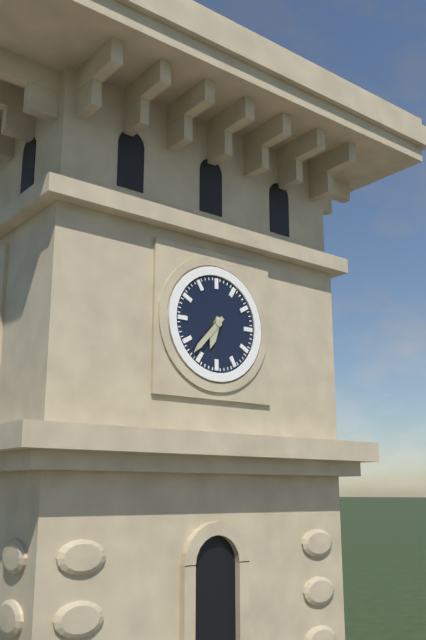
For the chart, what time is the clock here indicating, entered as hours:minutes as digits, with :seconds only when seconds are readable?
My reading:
6:37
